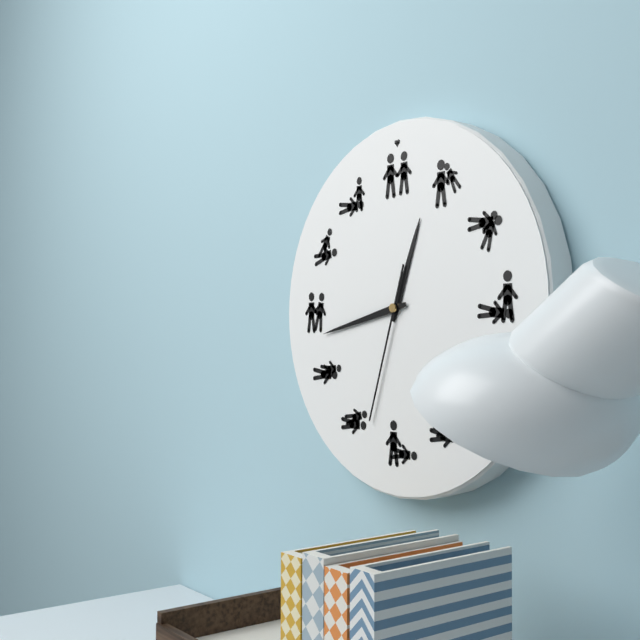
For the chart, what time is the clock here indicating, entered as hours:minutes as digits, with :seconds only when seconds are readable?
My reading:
12:43:33
